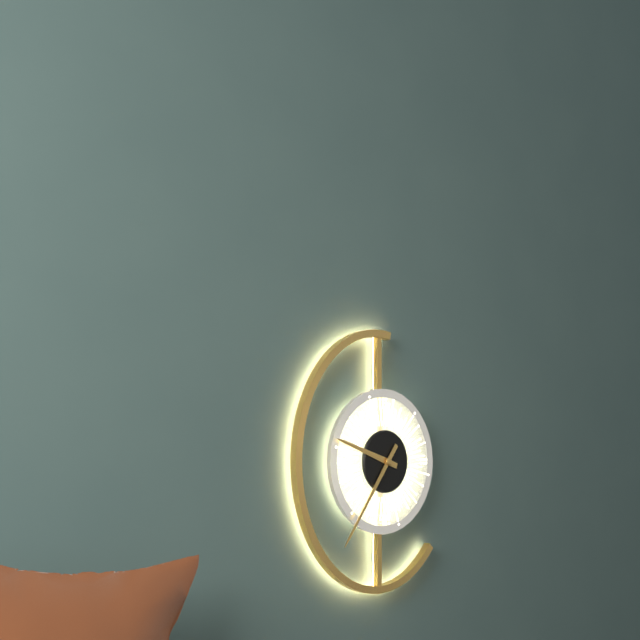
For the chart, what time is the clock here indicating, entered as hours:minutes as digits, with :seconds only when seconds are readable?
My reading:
9:36
